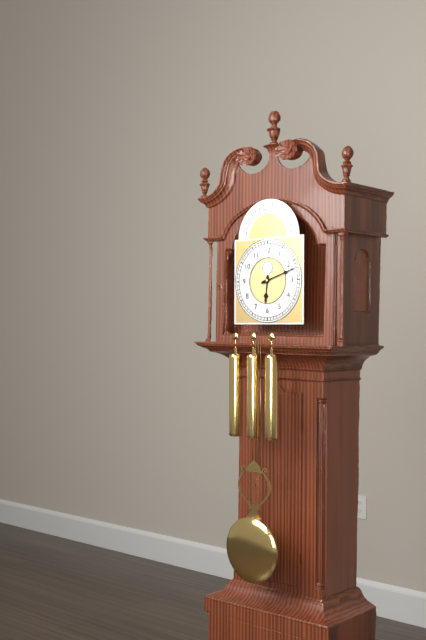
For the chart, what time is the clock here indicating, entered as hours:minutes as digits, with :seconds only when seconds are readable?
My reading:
6:12
